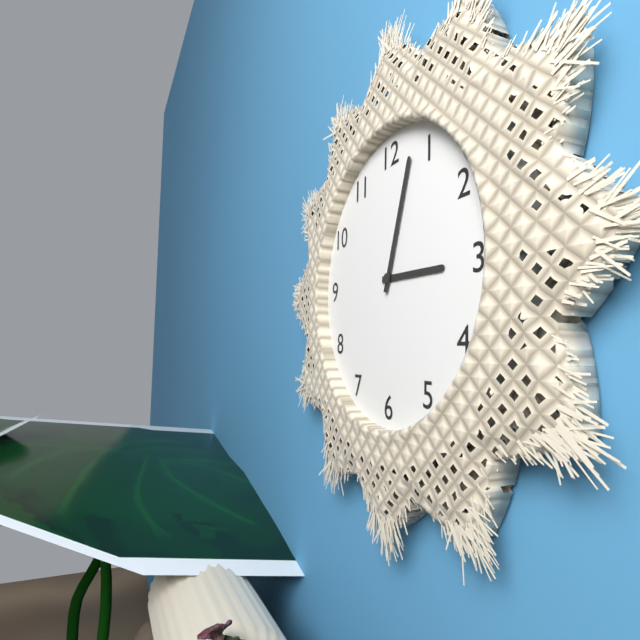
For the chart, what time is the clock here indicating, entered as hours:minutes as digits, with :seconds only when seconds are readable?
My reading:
3:03
